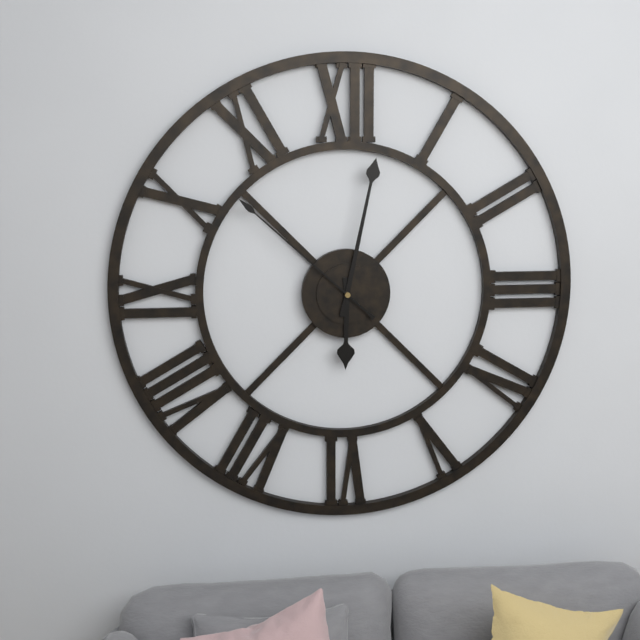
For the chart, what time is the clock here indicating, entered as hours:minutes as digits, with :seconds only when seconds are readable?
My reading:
6:02:52
